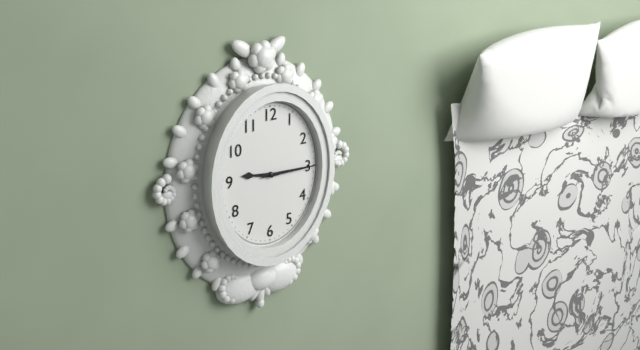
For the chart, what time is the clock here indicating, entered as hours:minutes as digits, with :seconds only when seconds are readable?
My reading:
9:15
